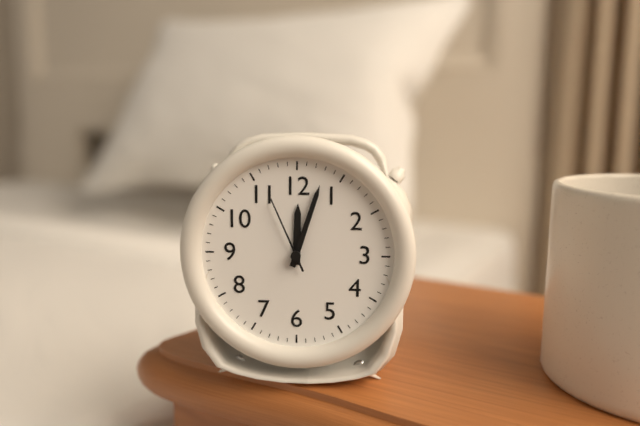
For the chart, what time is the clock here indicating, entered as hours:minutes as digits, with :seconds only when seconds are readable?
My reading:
12:03:56
